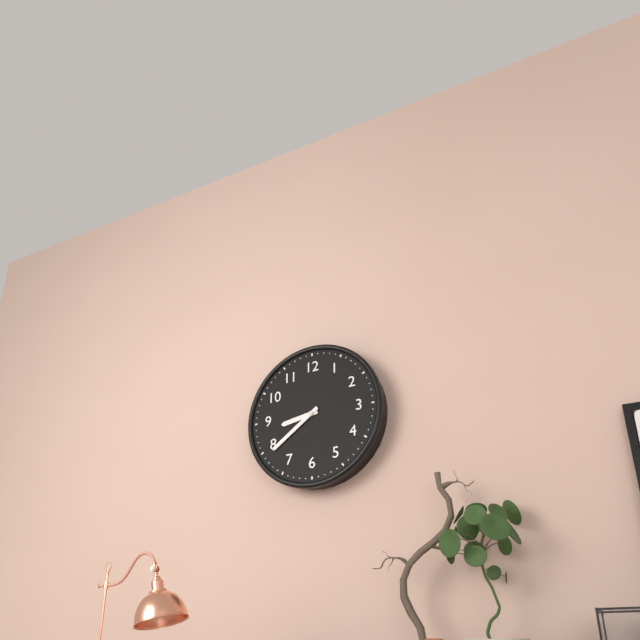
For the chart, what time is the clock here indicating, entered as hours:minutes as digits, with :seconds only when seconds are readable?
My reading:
8:39
